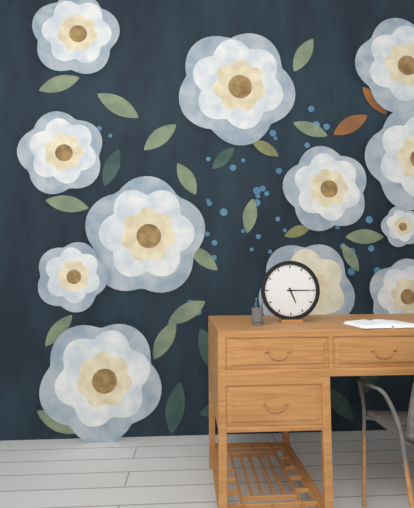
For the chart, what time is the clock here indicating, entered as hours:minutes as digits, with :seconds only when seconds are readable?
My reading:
5:15
